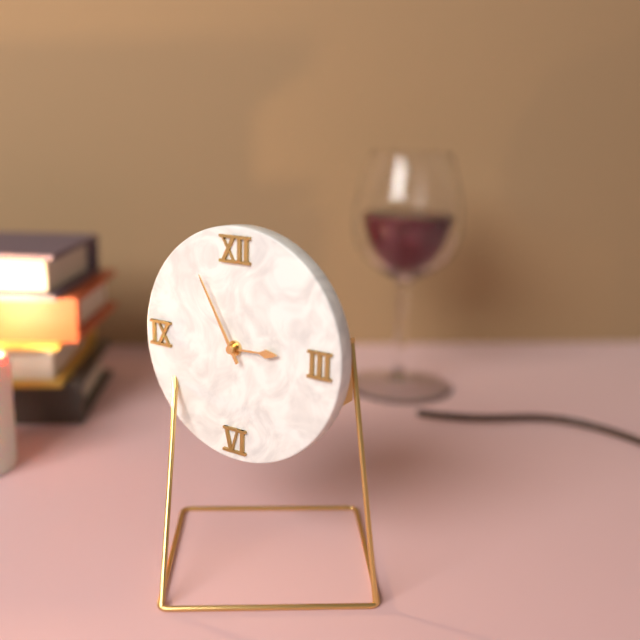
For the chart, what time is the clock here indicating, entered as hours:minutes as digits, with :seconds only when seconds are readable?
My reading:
2:55
